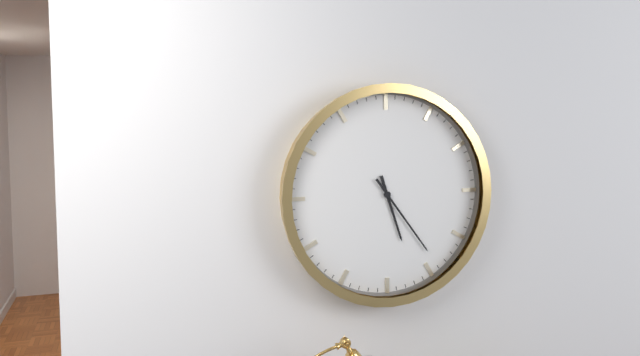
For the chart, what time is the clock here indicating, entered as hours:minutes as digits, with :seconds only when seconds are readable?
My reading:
5:24
